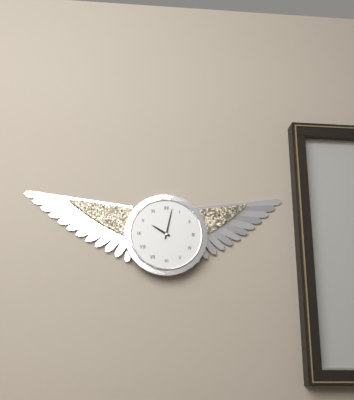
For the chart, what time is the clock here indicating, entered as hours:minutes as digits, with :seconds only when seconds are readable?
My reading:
10:02
